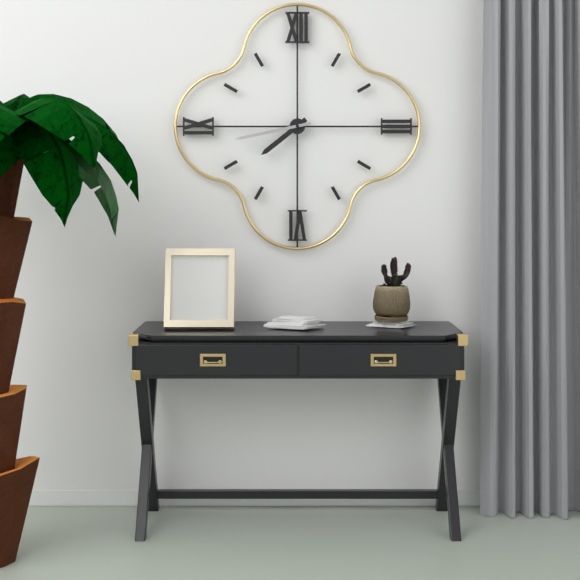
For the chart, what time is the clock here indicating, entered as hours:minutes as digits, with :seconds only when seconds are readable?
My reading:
7:43
